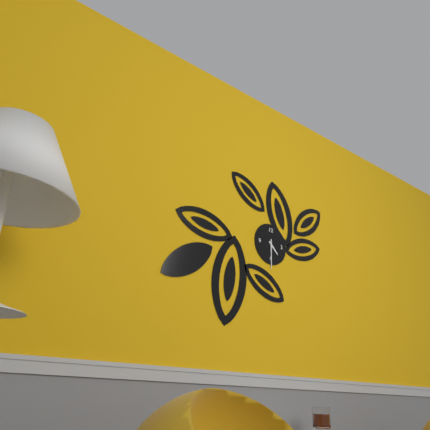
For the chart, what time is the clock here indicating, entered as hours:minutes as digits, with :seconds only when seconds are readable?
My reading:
4:30
